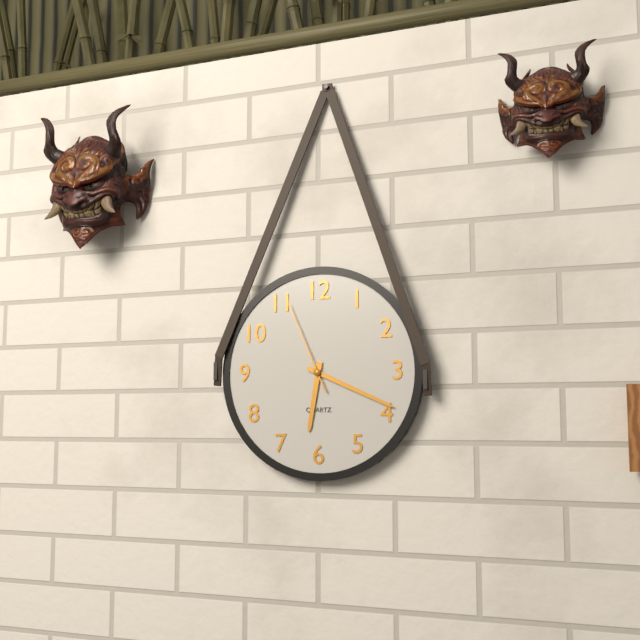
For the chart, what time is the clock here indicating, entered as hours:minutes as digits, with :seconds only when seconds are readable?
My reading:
6:19:56
